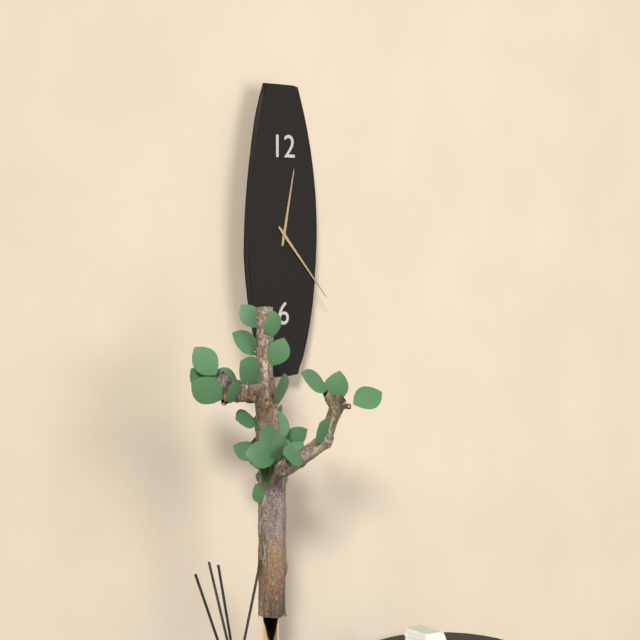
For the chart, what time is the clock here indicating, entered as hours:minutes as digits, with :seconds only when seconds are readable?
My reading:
12:23
